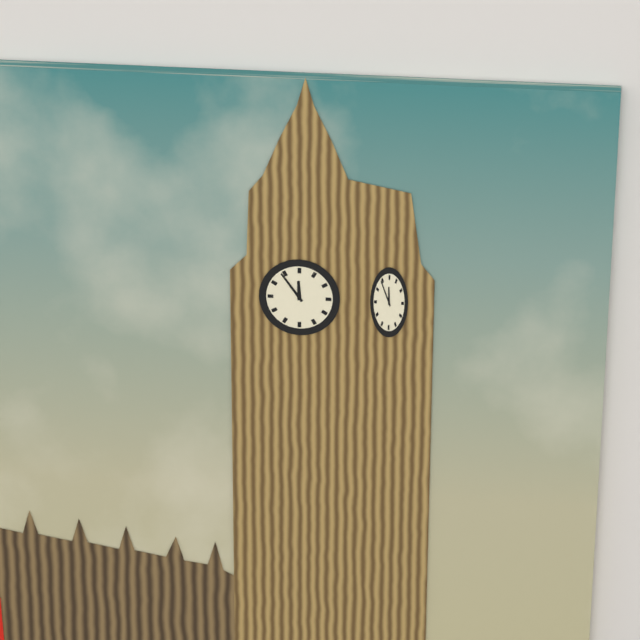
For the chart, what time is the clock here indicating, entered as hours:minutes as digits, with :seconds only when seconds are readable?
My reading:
11:54
